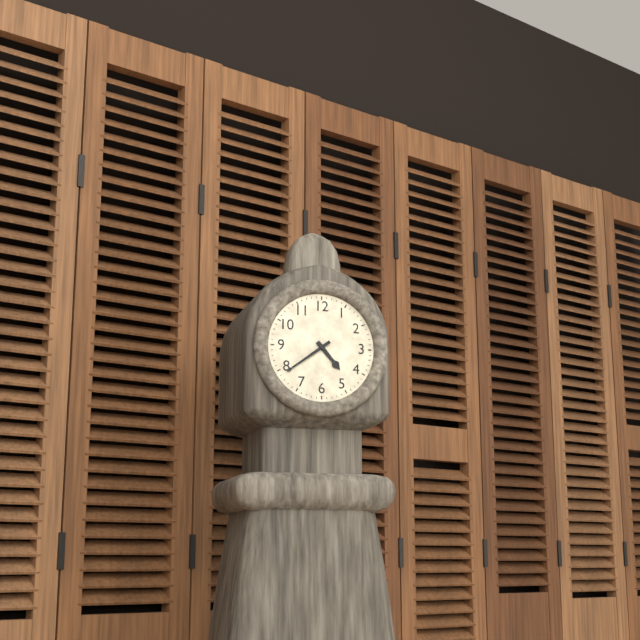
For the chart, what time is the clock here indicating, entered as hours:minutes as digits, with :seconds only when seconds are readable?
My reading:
4:39
